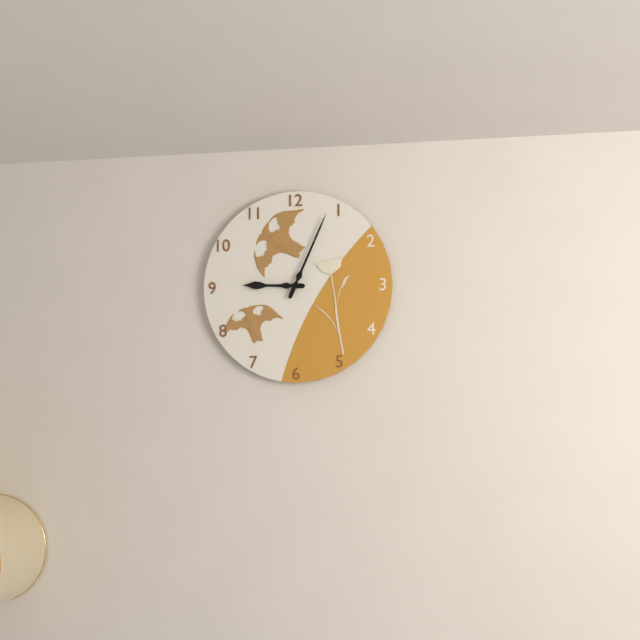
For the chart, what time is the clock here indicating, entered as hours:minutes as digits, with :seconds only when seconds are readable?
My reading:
9:04
